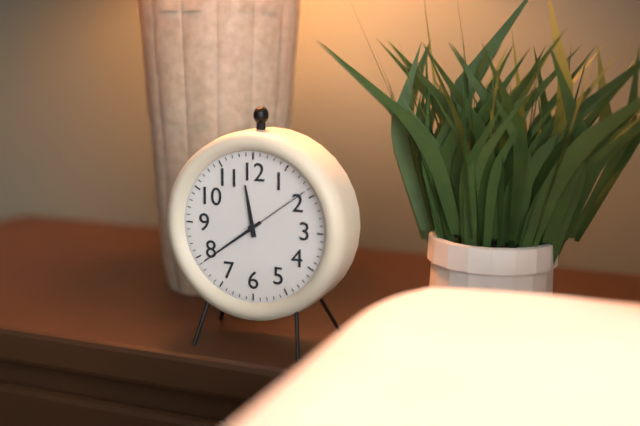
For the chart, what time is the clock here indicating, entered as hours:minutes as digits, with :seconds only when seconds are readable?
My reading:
11:39:09
